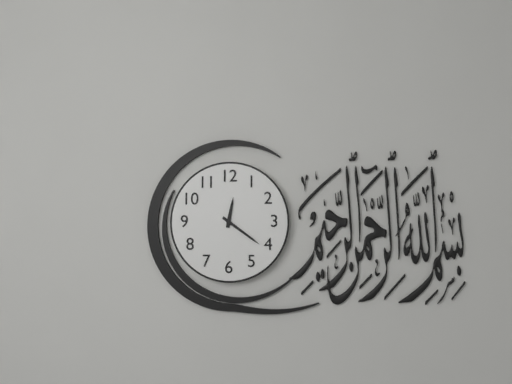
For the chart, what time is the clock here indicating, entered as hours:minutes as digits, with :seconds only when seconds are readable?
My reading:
12:21
